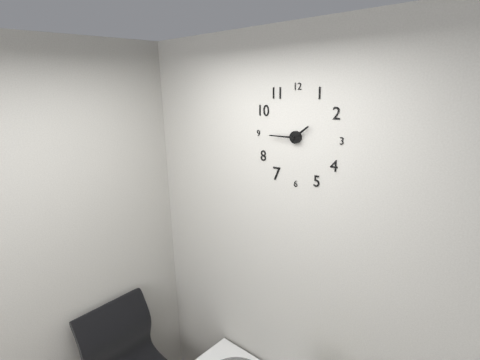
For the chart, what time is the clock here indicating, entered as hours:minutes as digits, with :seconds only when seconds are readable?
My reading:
1:45
